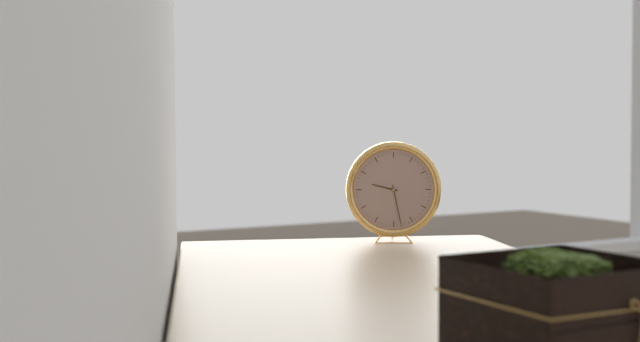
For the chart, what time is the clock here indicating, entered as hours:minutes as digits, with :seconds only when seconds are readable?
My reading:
9:28
